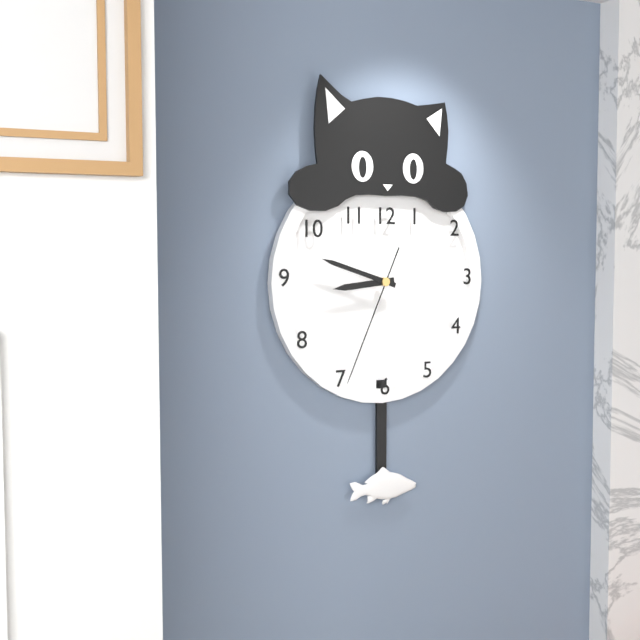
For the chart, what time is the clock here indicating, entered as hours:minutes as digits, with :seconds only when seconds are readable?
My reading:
8:48:34
